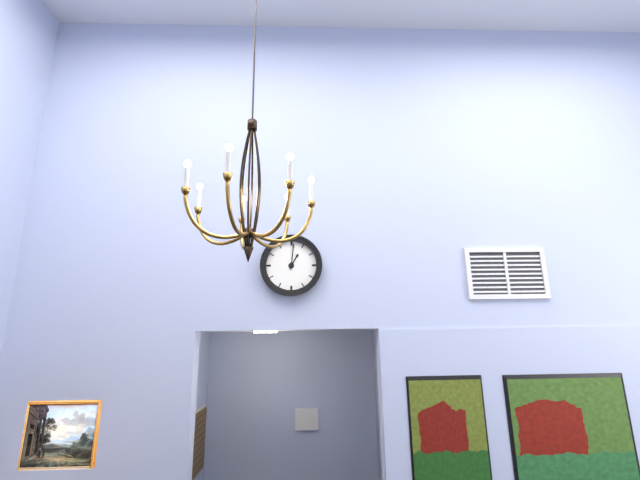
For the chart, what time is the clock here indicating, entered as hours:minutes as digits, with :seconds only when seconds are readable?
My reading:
1:01
